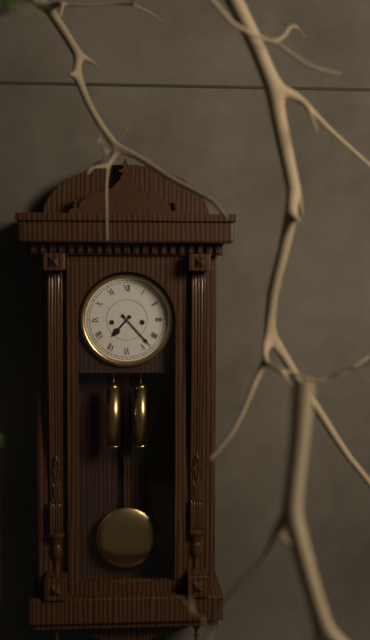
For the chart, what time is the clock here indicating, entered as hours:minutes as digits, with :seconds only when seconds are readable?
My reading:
7:23
